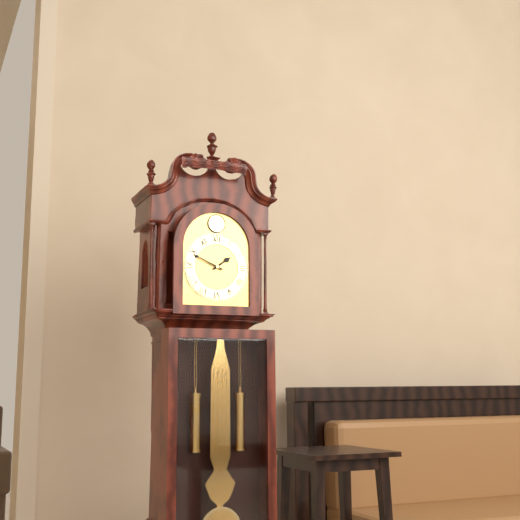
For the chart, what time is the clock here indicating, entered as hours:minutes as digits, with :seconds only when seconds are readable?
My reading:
1:49
